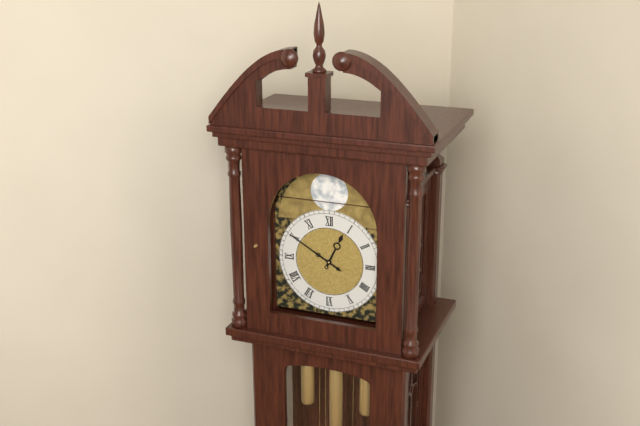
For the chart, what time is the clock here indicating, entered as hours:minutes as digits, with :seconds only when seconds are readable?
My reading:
12:50
